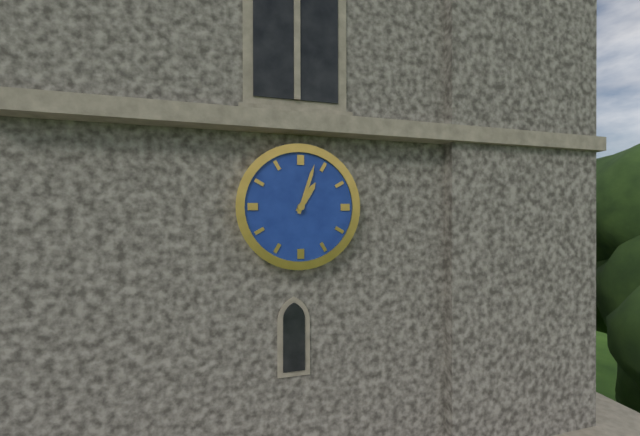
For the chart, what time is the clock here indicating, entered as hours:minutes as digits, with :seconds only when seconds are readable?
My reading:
1:03
